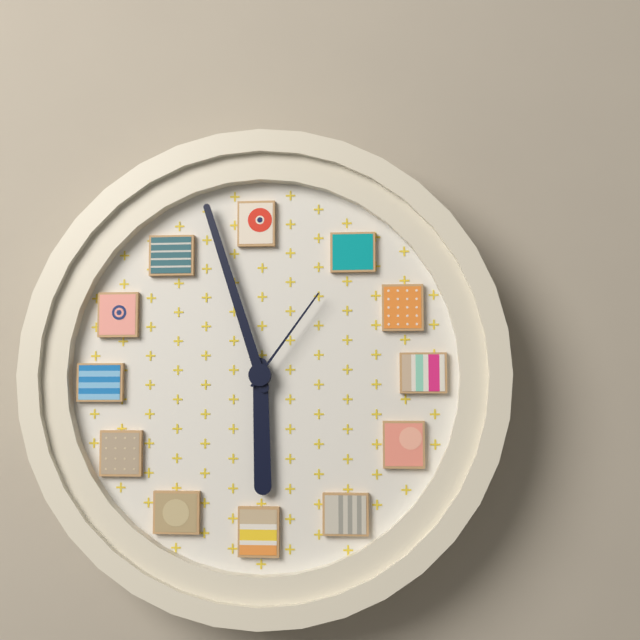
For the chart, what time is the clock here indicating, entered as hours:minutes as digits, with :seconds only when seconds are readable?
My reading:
5:57:06
